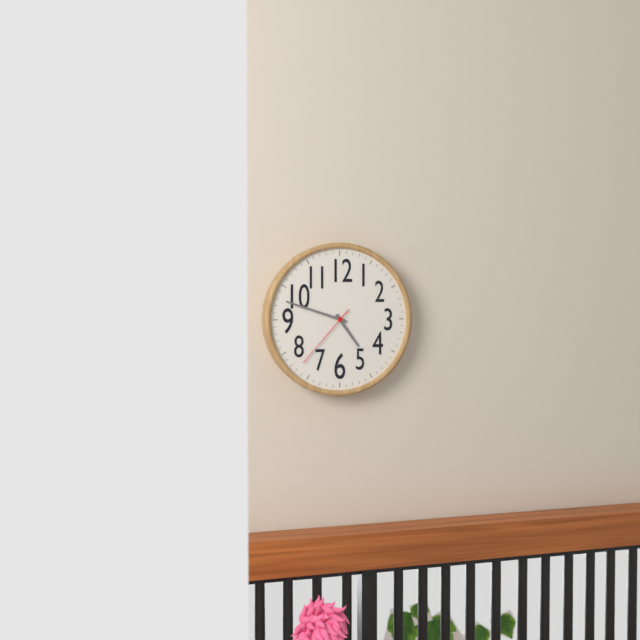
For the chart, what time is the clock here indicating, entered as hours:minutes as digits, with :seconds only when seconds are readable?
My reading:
4:48:37
